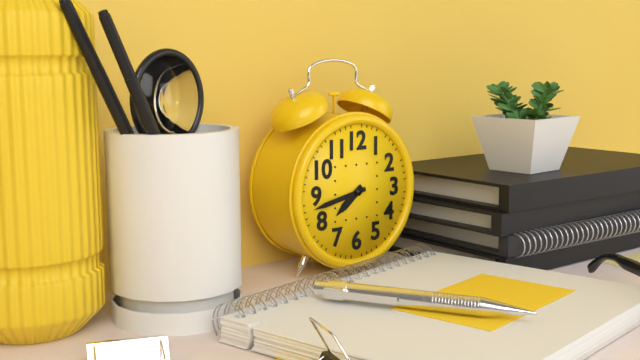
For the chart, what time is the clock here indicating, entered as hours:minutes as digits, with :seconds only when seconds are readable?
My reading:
7:43
